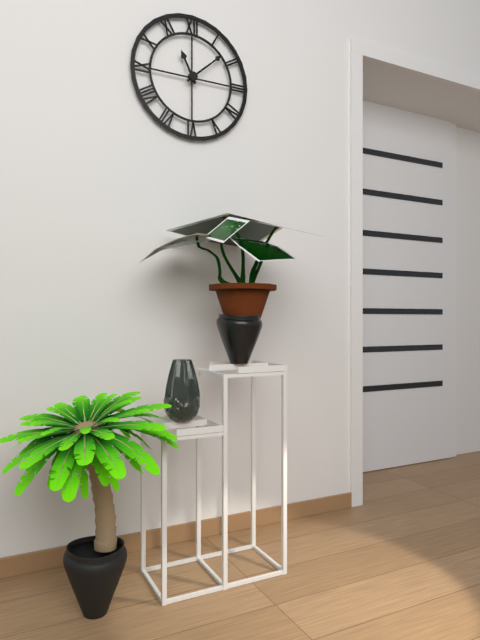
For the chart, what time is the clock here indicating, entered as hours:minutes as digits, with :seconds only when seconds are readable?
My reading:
11:08
